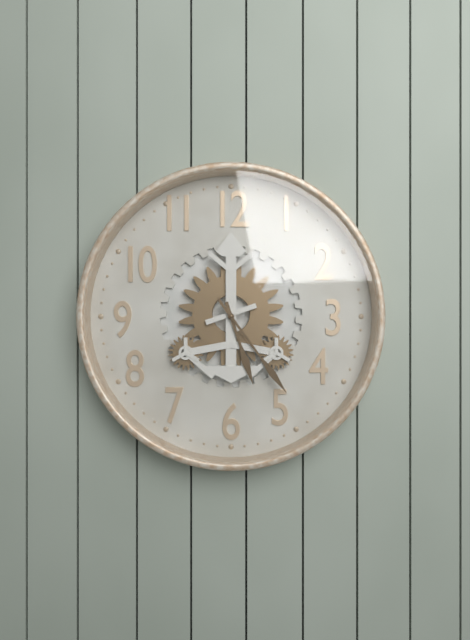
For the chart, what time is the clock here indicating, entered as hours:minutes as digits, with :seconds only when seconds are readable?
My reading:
5:24
